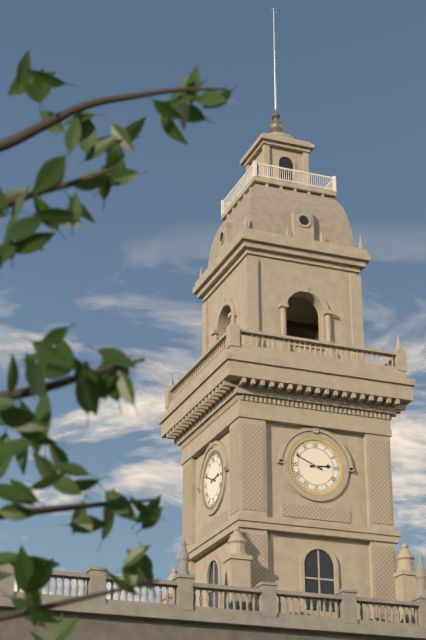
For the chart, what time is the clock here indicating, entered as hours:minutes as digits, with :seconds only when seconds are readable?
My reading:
2:49
